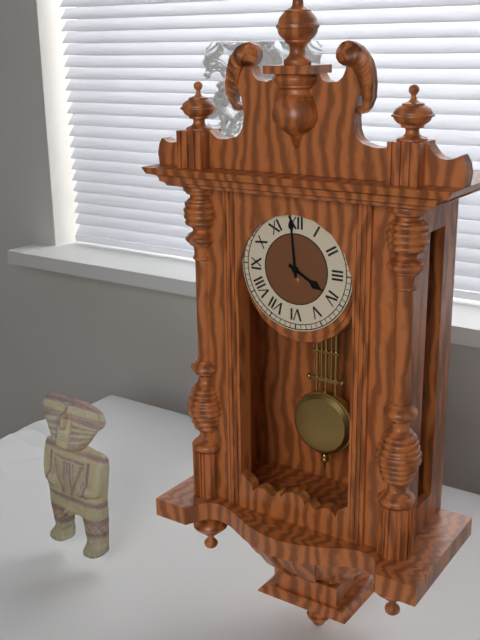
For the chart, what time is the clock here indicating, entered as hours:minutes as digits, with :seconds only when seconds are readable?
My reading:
3:59
